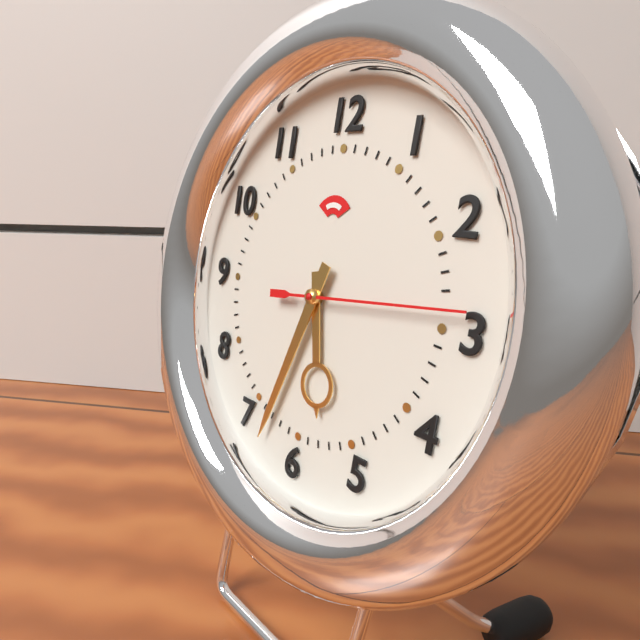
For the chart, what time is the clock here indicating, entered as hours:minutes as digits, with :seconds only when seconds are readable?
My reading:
5:33:14
